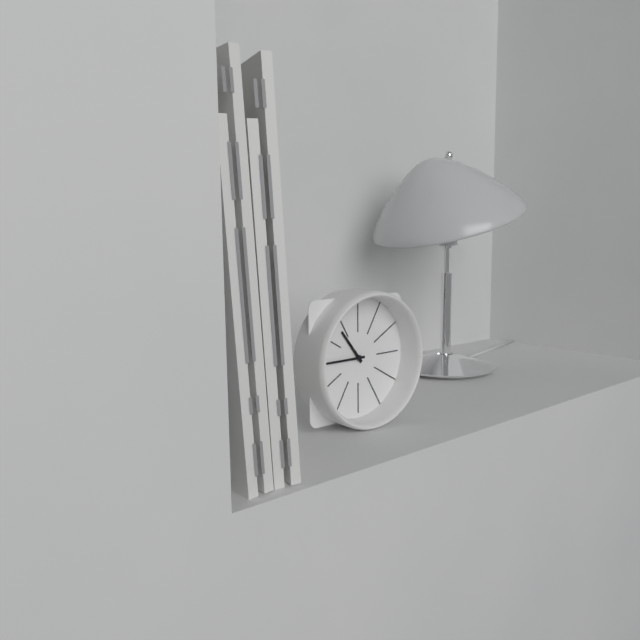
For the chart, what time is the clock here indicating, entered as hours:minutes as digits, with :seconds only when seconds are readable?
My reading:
10:45
